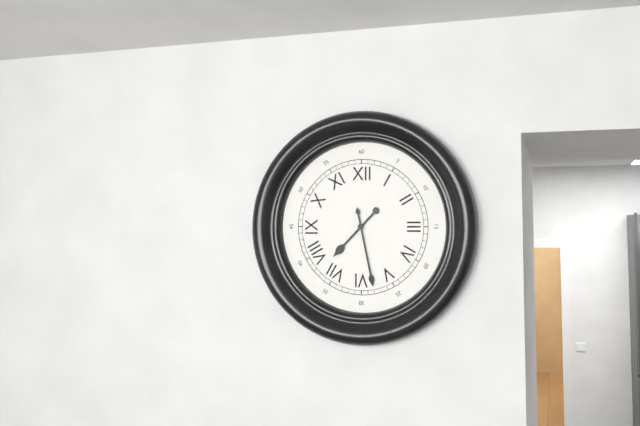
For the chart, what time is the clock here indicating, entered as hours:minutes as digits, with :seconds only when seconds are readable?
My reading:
7:28
